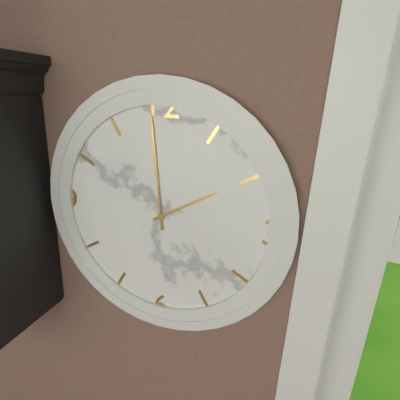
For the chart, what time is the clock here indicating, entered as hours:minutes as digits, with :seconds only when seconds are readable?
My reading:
1:59
